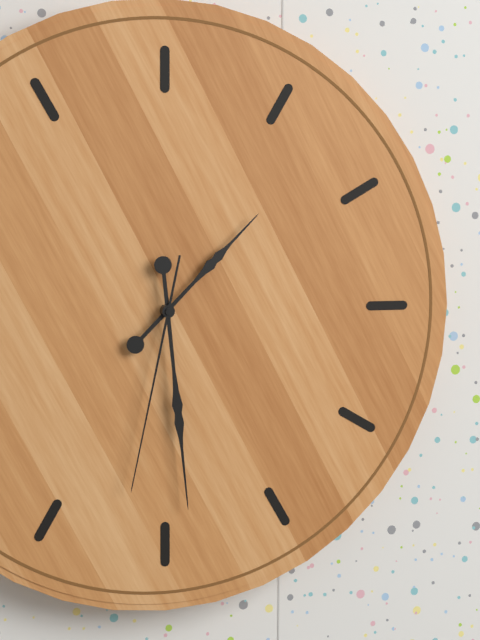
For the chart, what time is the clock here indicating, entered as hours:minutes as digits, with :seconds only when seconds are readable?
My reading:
1:29:32
